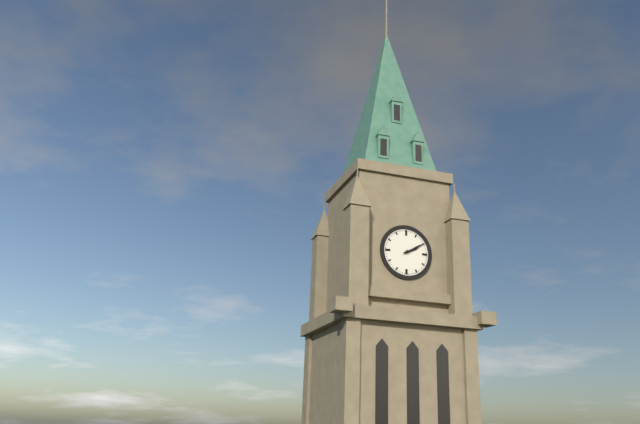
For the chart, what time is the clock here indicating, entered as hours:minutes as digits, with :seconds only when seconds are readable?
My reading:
2:10
